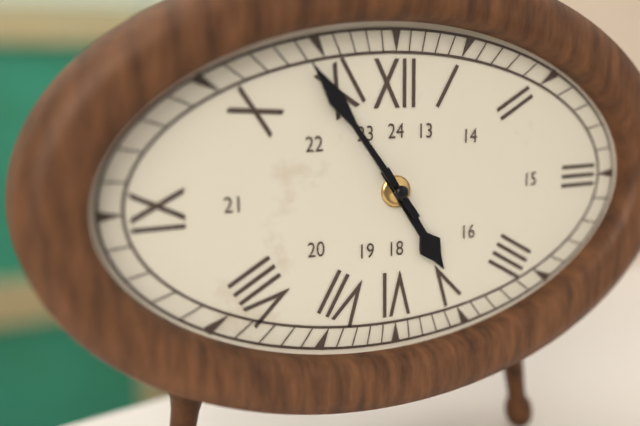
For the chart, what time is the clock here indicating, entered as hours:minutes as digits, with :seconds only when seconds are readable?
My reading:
4:54
